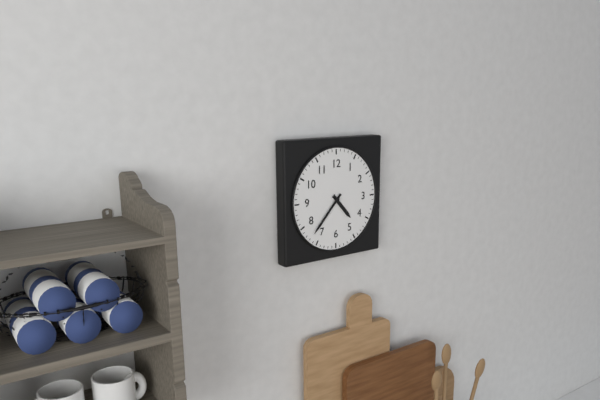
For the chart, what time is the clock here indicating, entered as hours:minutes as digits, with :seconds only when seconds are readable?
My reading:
4:37
